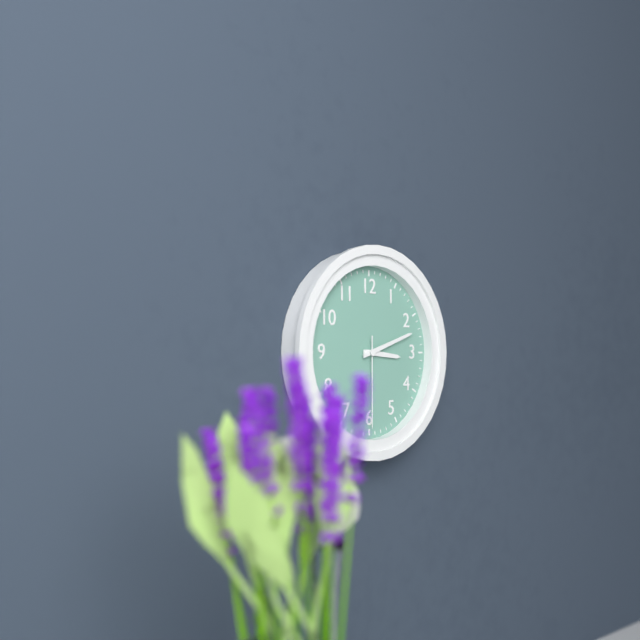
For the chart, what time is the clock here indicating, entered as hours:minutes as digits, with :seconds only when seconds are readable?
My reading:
3:12:30
